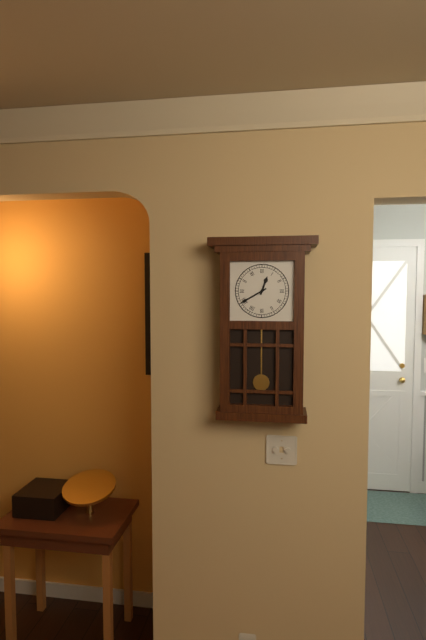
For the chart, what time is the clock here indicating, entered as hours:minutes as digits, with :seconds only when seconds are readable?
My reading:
12:40
